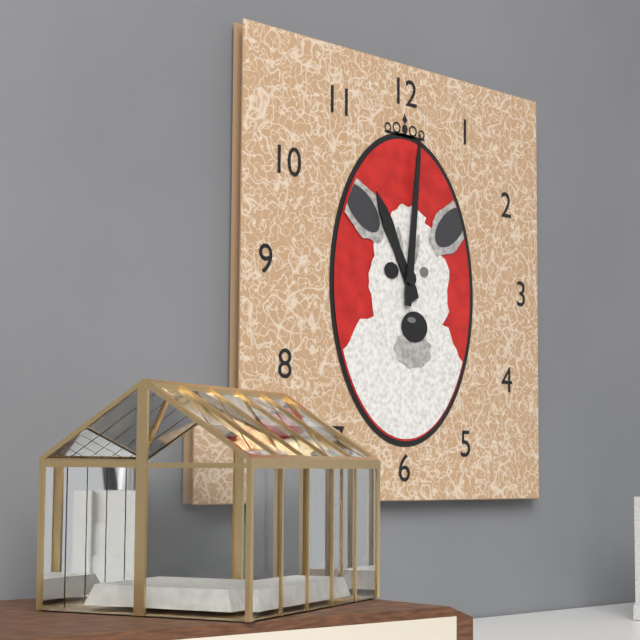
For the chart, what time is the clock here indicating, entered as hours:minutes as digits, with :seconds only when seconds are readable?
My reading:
11:01
